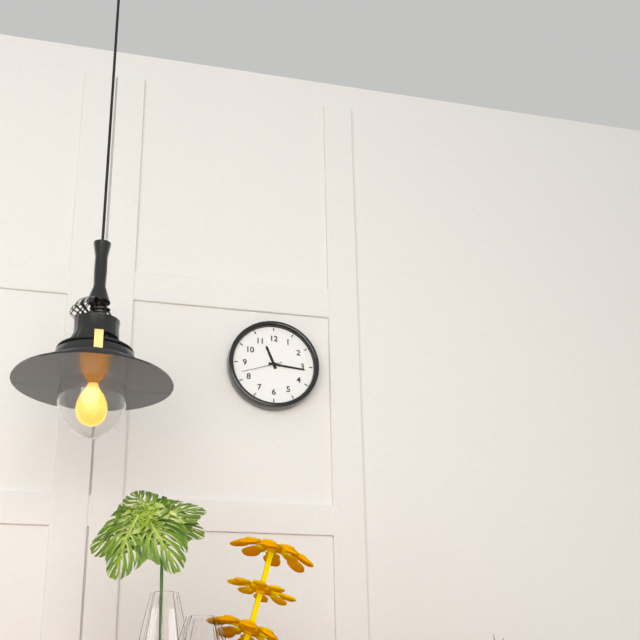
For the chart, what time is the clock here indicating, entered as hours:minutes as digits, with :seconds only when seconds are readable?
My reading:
11:16
